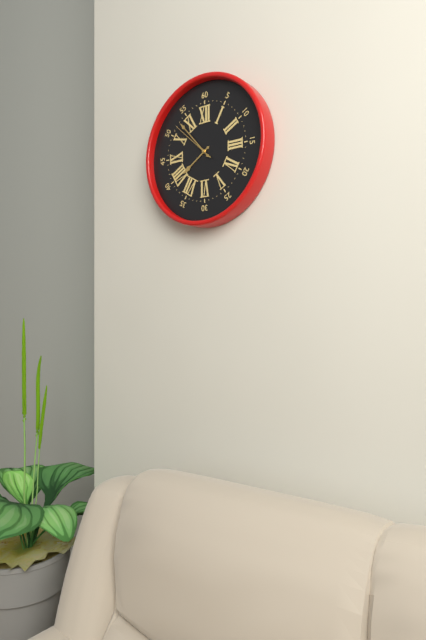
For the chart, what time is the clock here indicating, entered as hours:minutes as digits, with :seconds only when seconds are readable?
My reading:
7:53:52
